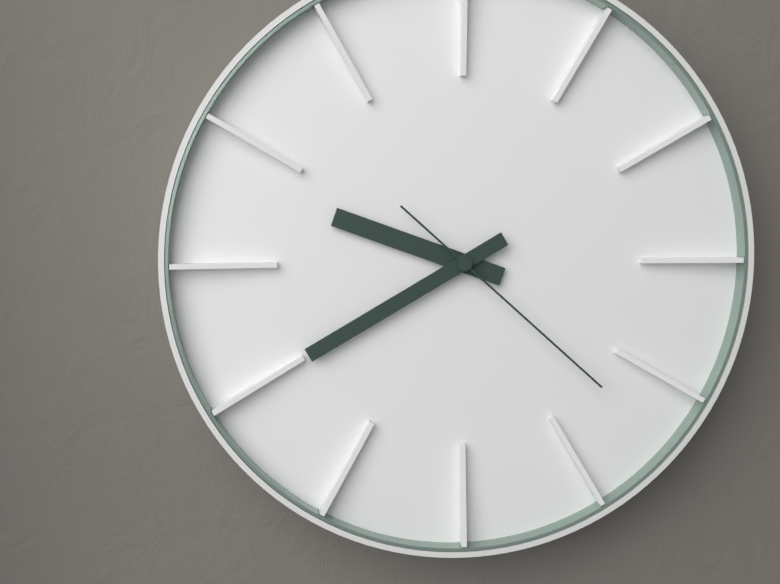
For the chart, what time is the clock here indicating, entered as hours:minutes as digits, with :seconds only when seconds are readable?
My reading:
9:40:22
